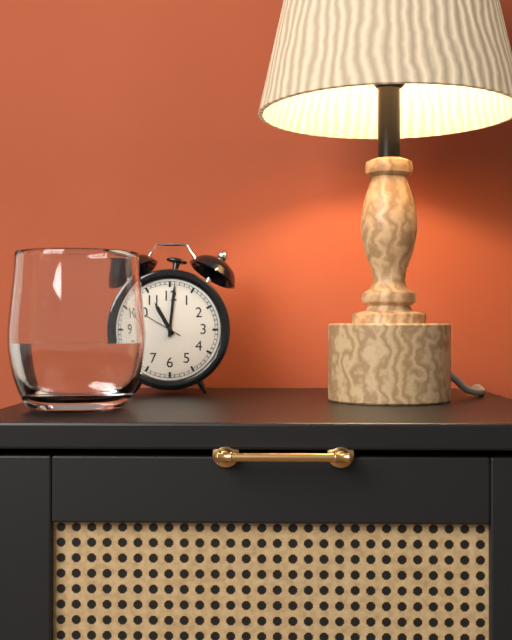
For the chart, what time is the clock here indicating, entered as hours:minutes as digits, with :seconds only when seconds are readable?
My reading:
11:01:50
